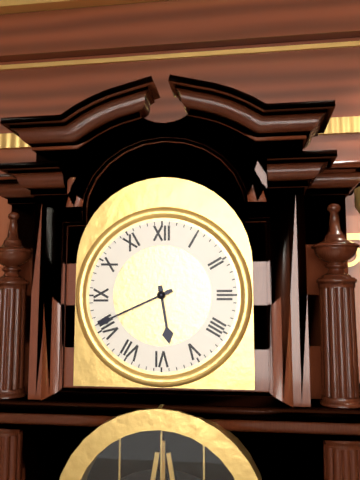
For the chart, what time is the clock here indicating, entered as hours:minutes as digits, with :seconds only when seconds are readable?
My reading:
5:41
